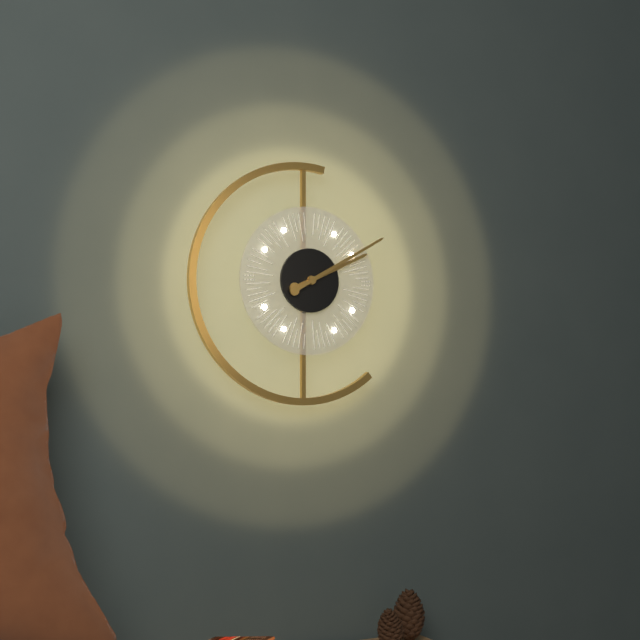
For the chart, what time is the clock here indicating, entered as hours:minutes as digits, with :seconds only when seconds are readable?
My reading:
2:10
